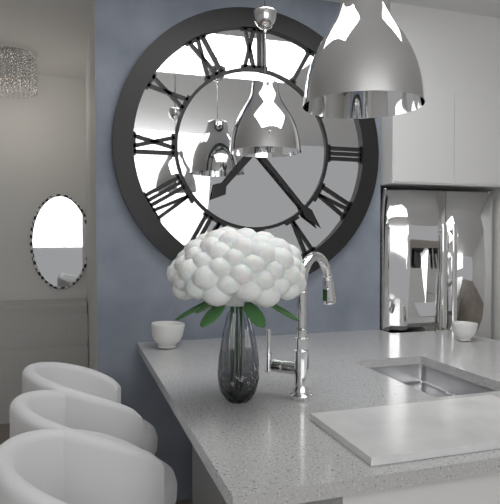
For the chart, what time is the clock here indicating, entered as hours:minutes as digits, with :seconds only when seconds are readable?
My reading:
7:23
